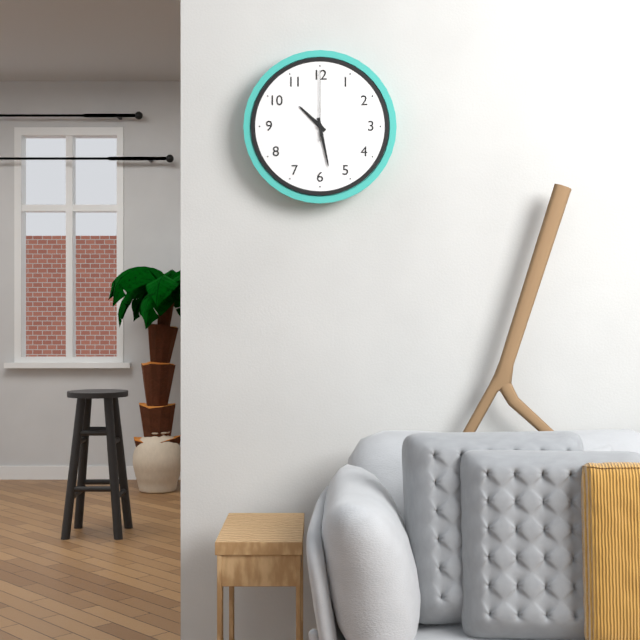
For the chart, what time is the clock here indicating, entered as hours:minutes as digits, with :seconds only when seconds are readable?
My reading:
10:28:00
